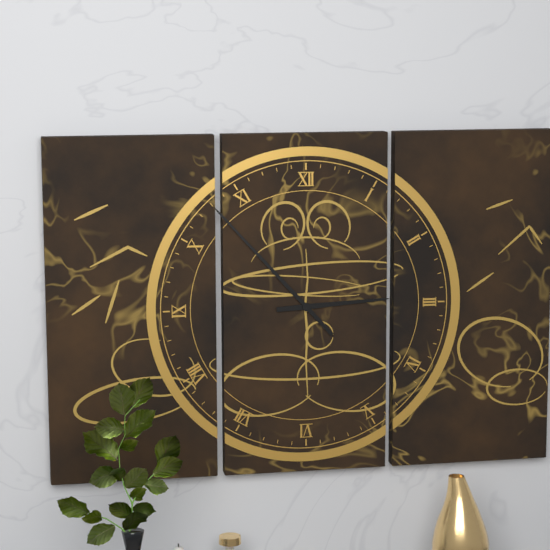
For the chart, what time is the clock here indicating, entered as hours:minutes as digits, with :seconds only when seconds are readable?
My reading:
2:53
